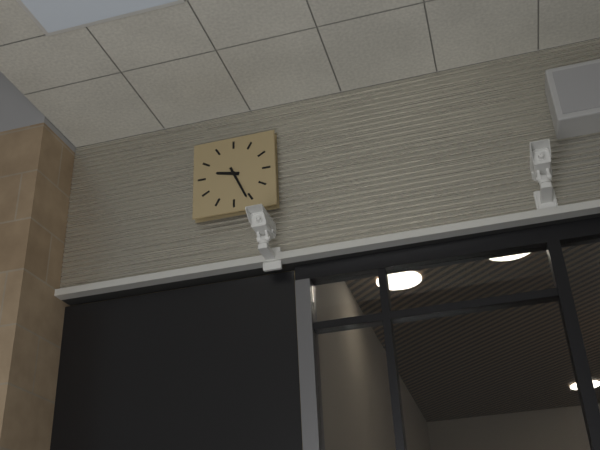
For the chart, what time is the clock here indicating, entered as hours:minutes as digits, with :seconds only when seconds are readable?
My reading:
9:26
